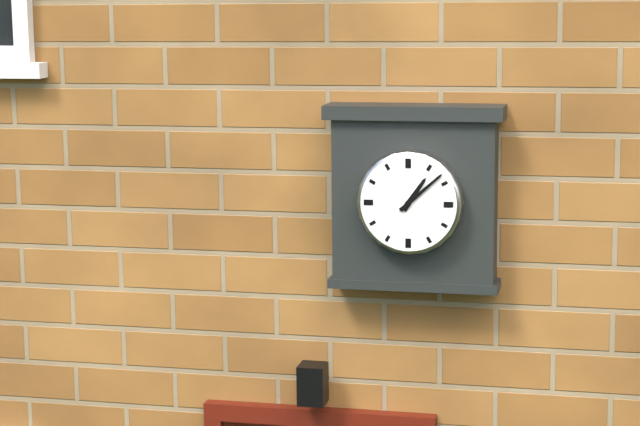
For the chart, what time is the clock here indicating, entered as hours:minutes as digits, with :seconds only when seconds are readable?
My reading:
1:08
